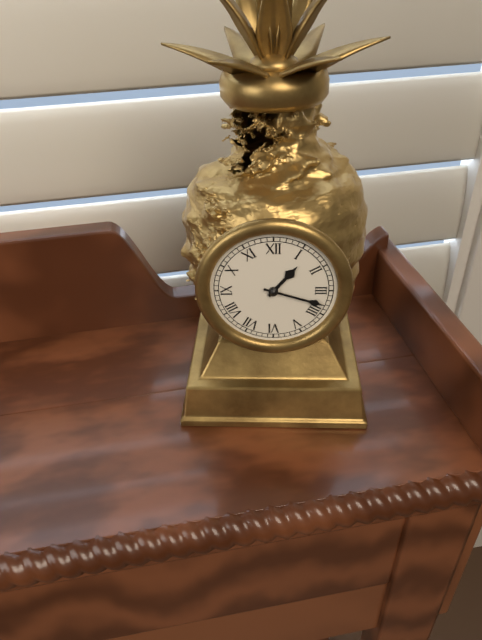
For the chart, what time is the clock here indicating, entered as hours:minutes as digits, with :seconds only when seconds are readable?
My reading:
1:18
